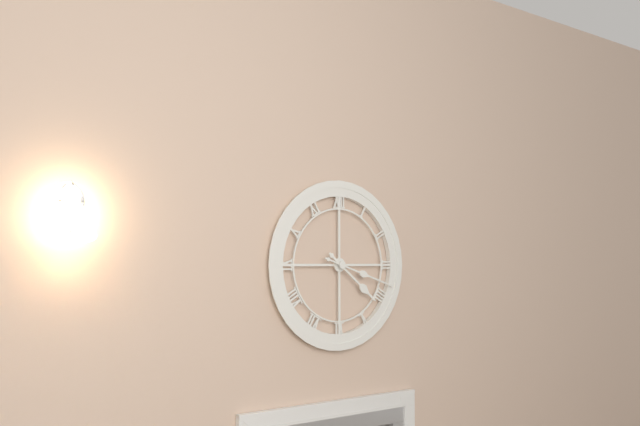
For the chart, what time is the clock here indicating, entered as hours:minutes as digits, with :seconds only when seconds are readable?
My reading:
4:18
